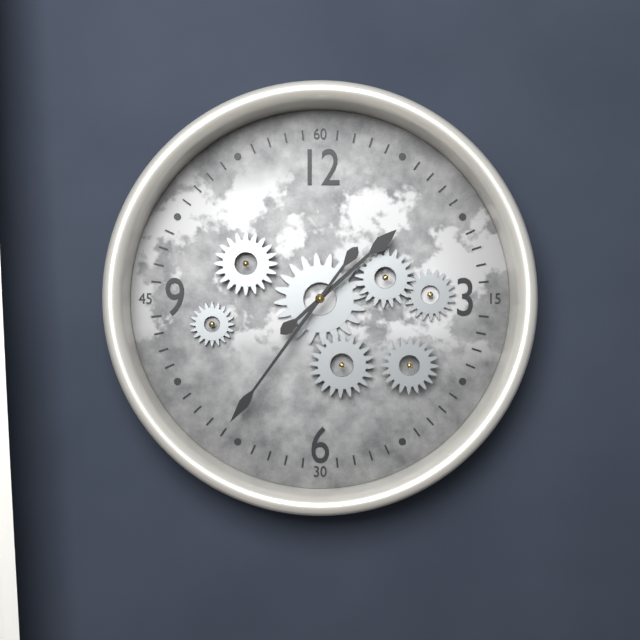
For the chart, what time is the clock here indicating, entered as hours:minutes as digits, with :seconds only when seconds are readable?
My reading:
1:36
